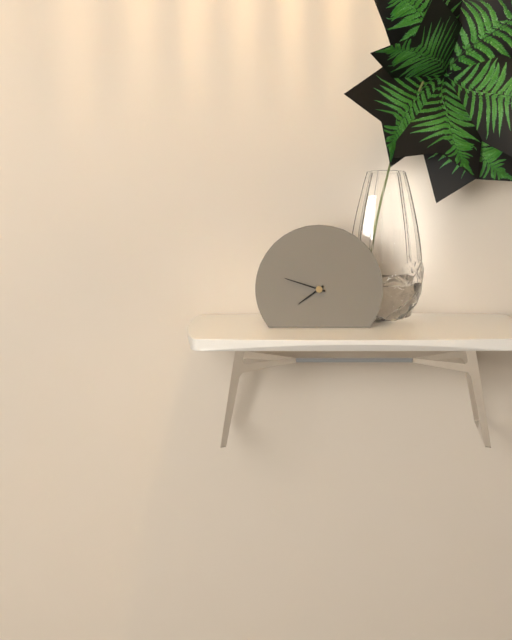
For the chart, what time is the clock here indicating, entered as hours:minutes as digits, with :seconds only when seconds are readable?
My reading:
7:48
